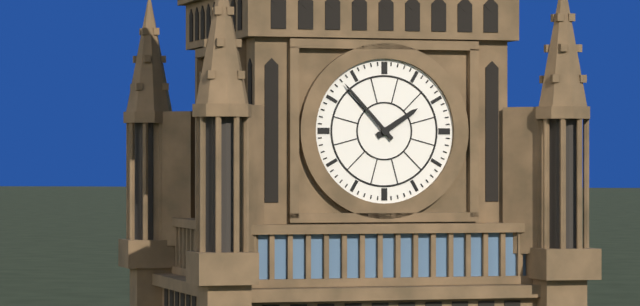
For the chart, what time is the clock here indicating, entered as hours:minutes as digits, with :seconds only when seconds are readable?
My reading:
1:53
